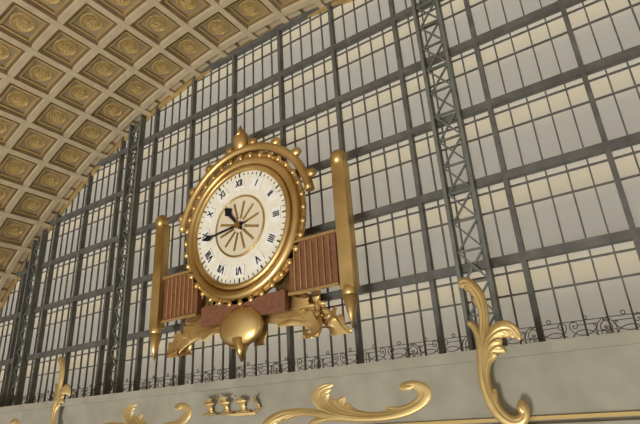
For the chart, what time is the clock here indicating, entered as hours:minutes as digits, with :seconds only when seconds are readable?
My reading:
10:44
